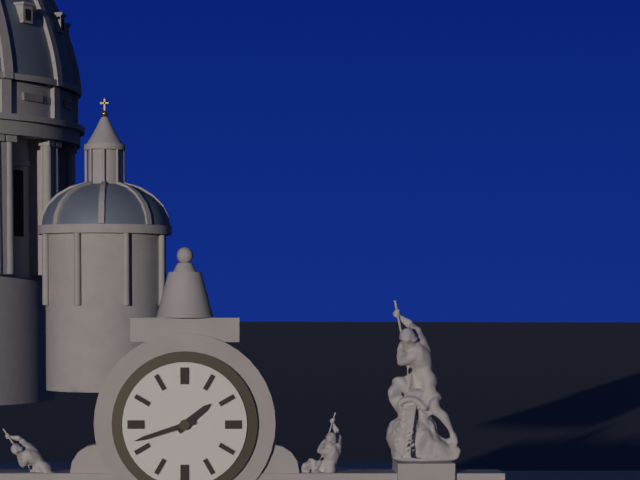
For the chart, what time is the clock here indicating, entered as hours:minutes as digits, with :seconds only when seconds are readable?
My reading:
1:42
